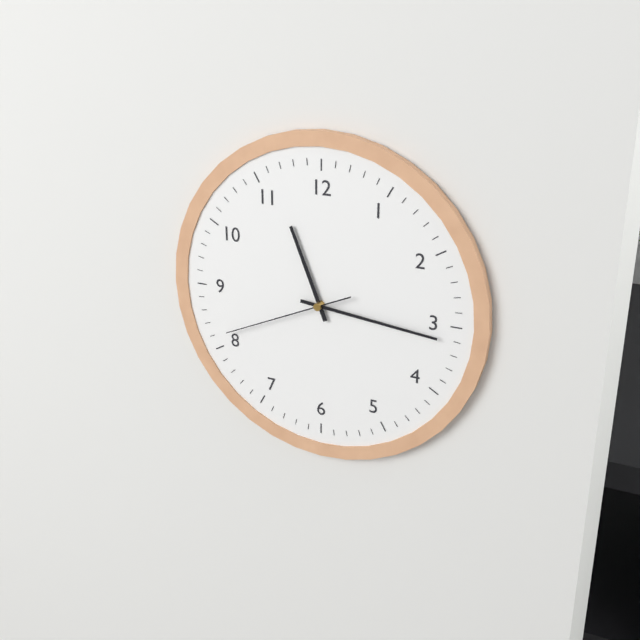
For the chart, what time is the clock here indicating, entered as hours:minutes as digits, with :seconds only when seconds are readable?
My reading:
11:16:41
